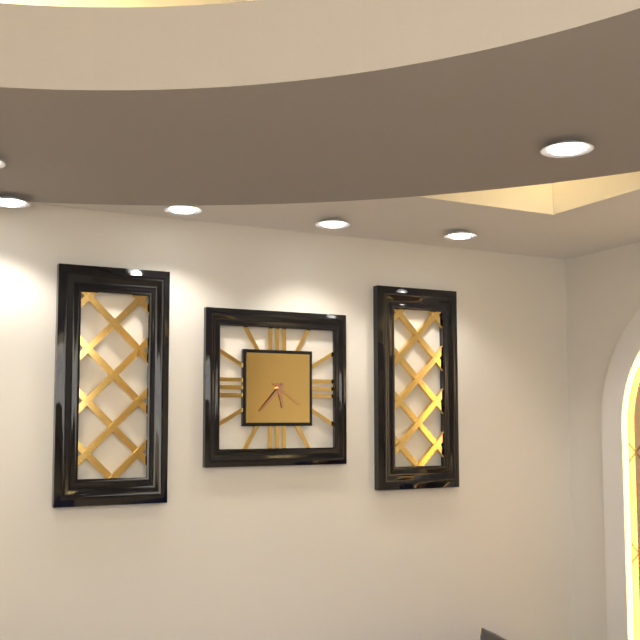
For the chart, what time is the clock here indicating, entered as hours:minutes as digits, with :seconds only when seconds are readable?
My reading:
5:37
